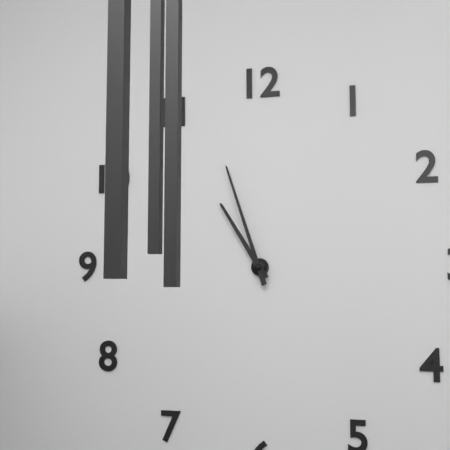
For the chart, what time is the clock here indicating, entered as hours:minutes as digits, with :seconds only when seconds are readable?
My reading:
10:57
